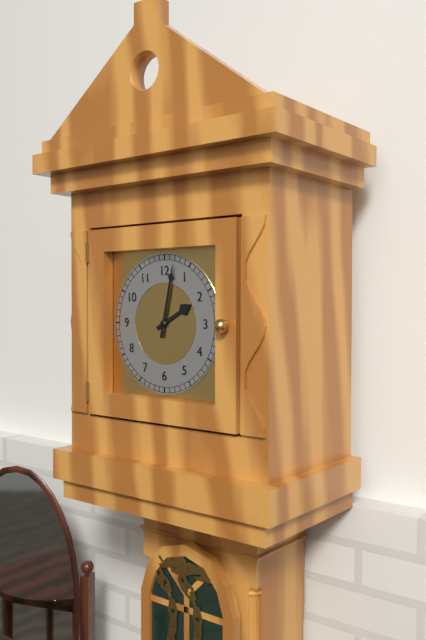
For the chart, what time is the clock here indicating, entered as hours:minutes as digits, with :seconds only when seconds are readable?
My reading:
2:02
